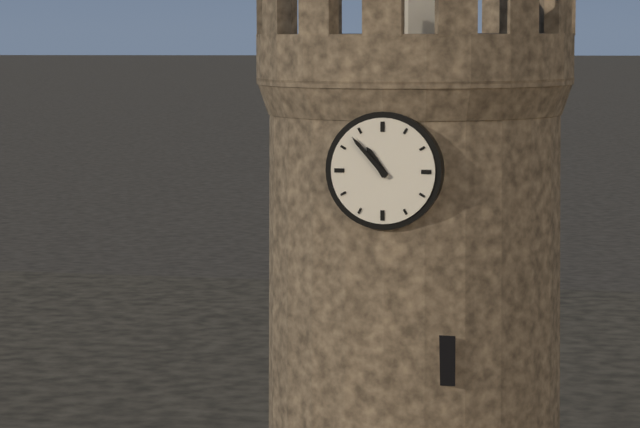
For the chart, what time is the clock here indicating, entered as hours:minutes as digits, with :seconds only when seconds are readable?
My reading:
10:53
